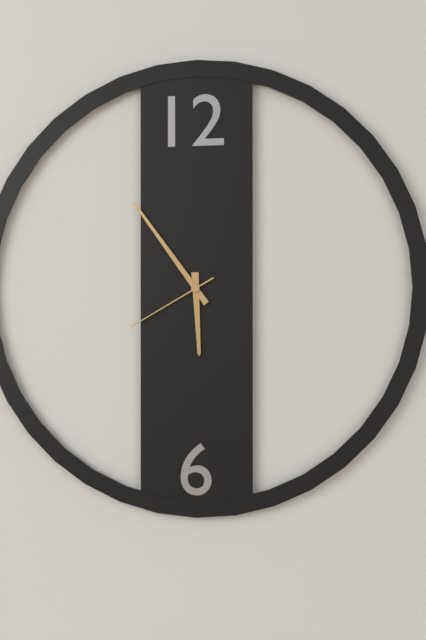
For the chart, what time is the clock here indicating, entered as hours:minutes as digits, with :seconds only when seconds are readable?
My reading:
5:54:40
